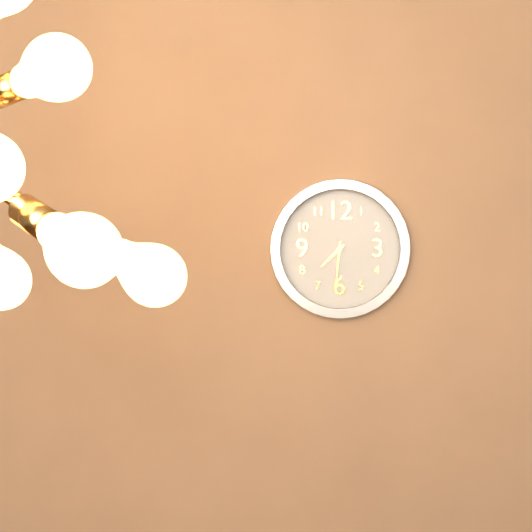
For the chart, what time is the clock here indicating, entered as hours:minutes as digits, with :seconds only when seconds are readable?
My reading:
7:31
